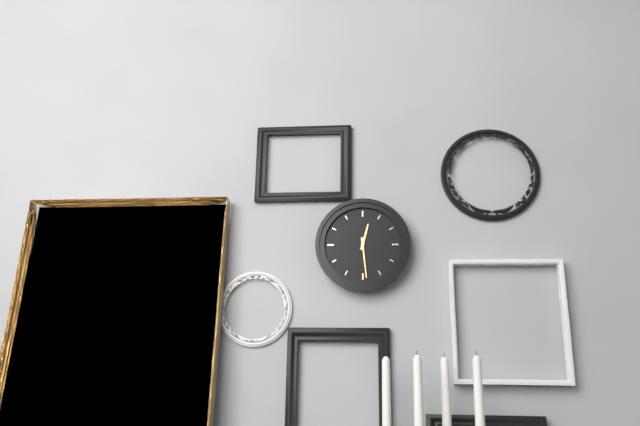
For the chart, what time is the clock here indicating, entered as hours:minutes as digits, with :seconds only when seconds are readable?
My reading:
12:29
